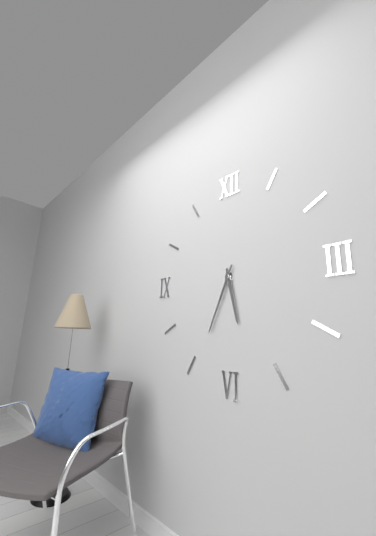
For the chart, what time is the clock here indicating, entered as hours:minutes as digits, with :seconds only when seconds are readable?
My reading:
5:34
